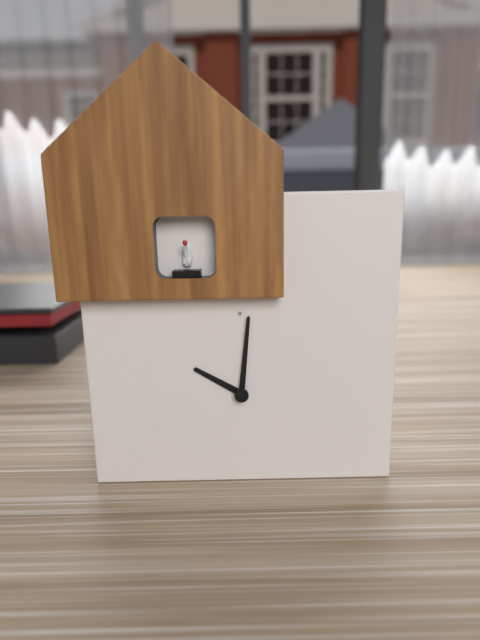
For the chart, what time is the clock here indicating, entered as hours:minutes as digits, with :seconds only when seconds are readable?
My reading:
10:01
